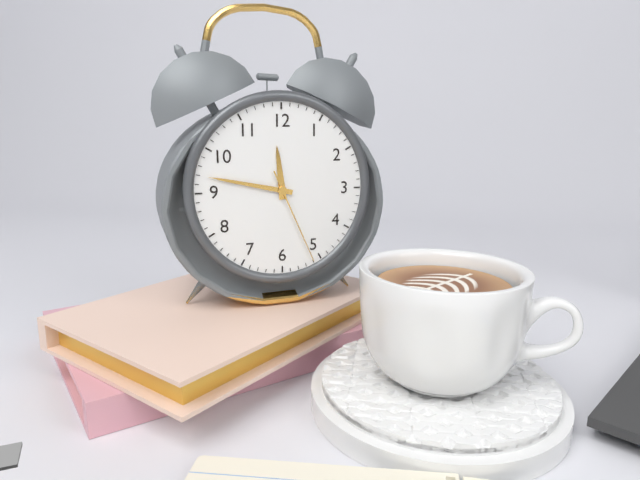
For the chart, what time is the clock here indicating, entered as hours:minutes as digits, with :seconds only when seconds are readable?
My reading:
11:47:26
